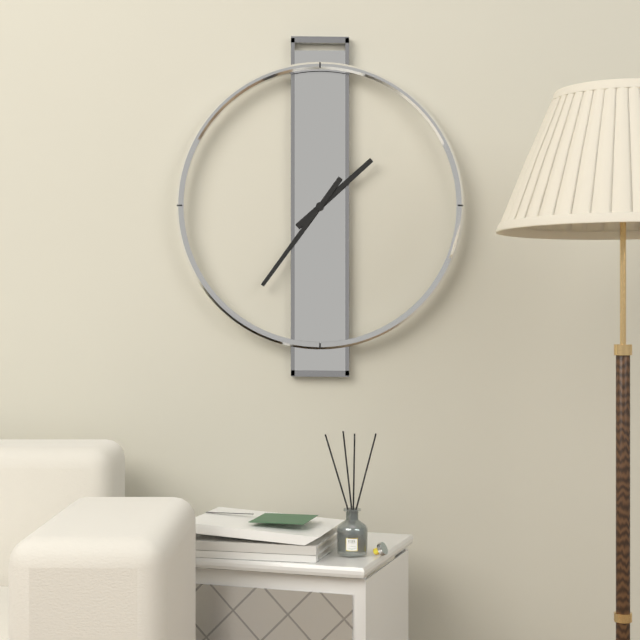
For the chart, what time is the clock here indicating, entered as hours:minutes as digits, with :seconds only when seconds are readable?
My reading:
1:36
